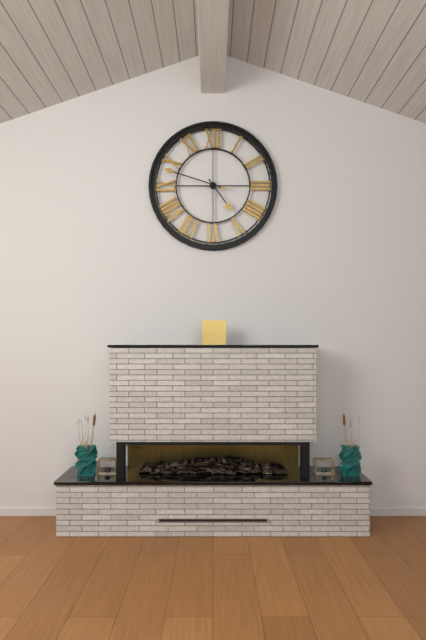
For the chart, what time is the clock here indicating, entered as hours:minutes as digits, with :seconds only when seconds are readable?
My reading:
4:48
